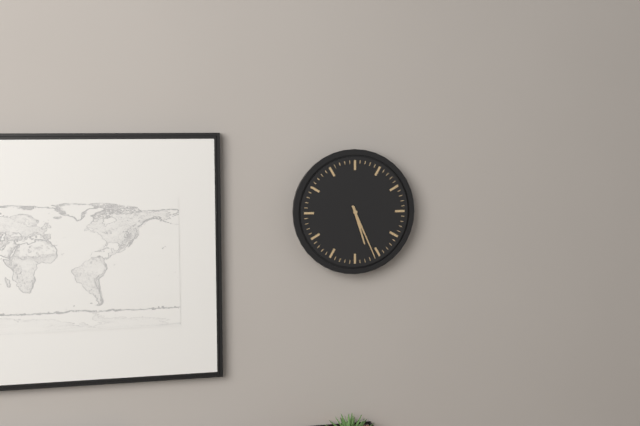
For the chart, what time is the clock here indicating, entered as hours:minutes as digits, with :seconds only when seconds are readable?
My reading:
5:26
